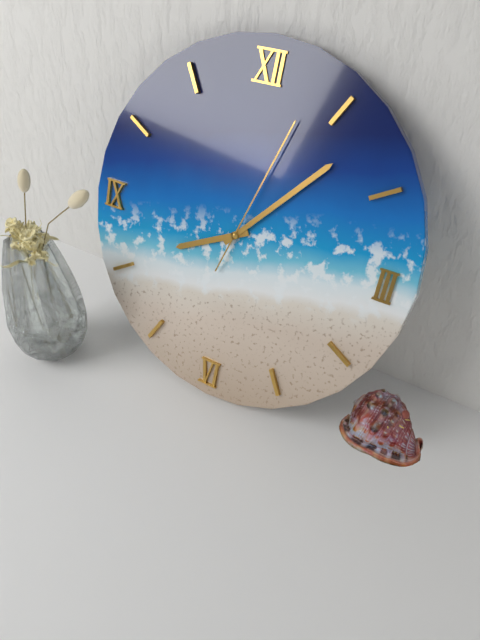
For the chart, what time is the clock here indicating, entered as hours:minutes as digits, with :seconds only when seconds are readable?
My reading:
8:07:03
